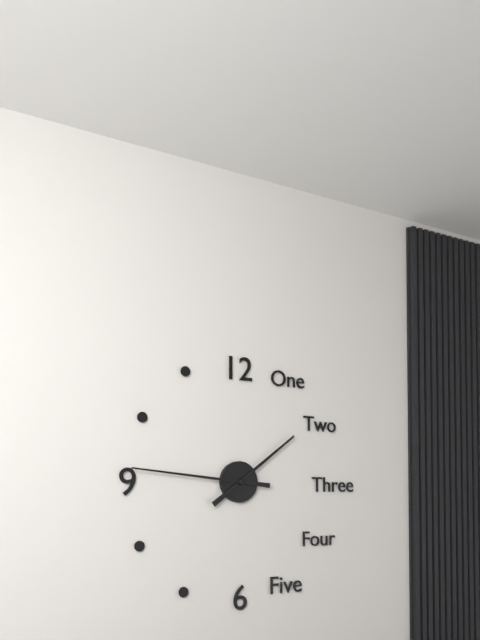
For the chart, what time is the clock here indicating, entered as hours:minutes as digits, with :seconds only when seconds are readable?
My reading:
1:46
